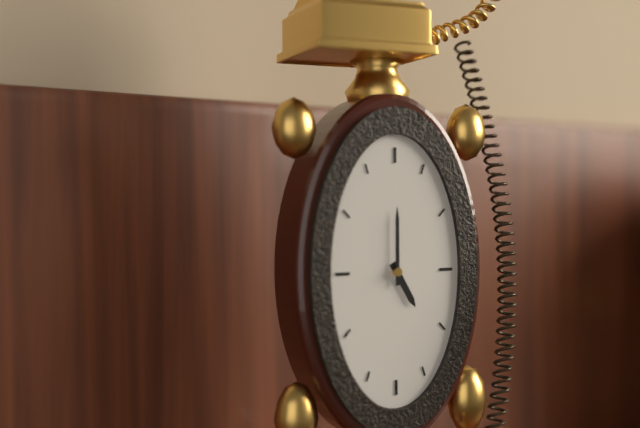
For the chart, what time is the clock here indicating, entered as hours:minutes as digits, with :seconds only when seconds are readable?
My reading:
5:00
